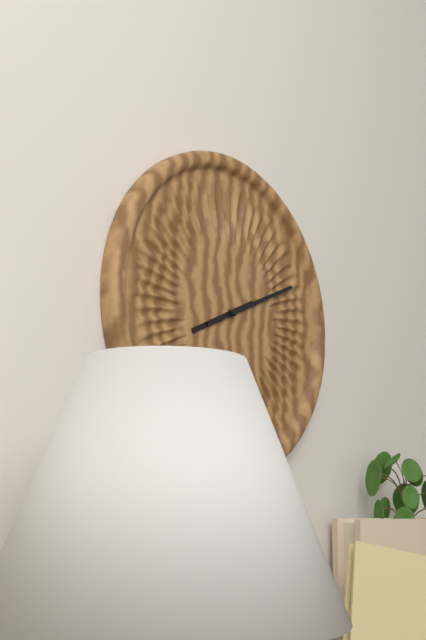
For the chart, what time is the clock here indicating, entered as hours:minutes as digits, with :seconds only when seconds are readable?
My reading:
8:11
